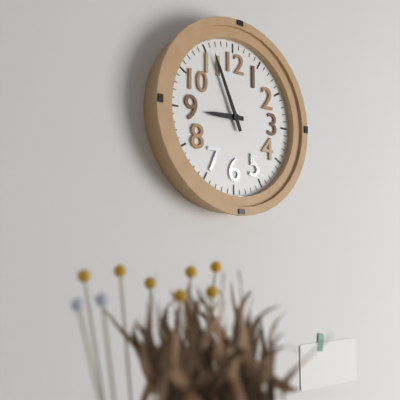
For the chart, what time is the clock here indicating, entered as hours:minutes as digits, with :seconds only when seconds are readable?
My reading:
8:56
